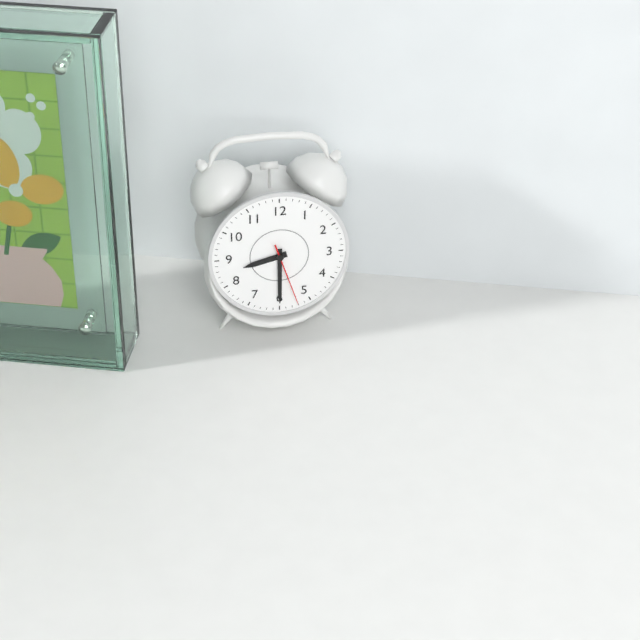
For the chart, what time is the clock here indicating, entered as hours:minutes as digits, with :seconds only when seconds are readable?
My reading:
8:30:27
